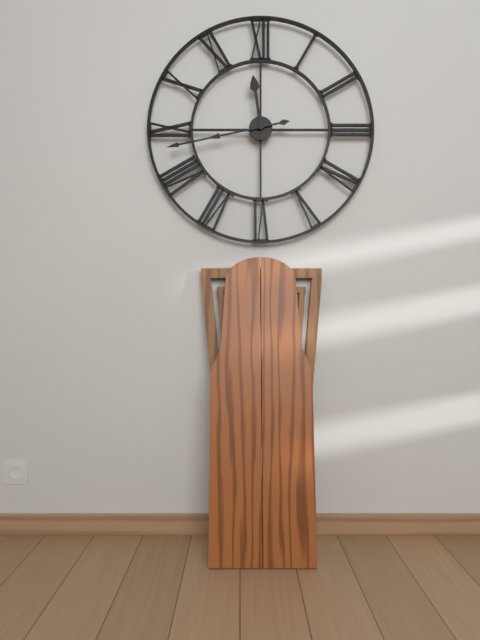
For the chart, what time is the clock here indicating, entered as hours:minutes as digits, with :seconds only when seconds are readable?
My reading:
11:43
